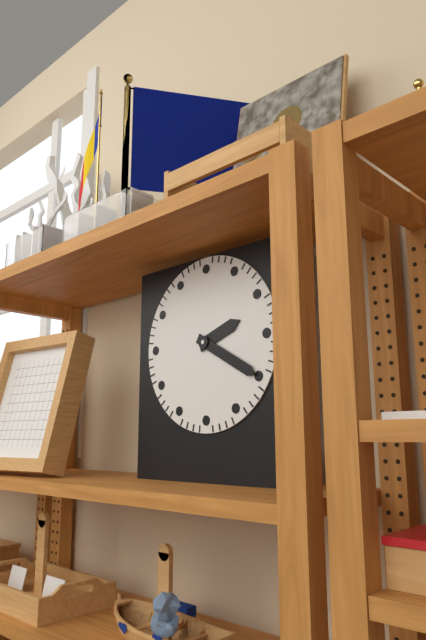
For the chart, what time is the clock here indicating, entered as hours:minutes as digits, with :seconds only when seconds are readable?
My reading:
2:20
